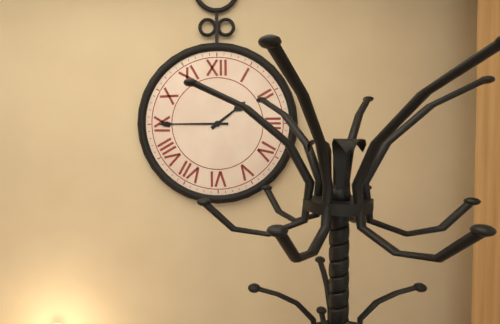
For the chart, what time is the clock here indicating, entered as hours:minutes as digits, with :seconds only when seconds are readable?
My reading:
1:45
